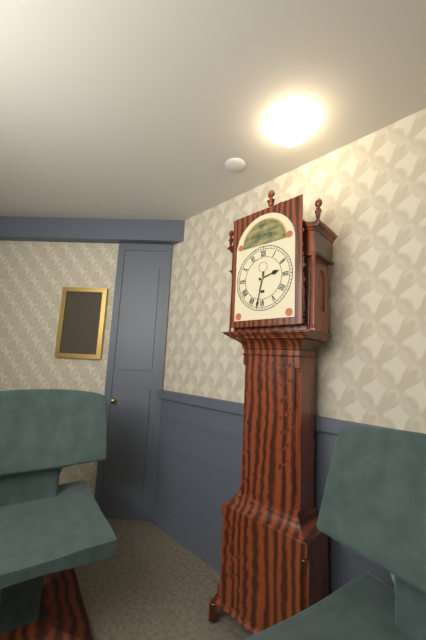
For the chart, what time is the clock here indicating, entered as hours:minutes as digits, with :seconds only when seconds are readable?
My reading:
2:32
